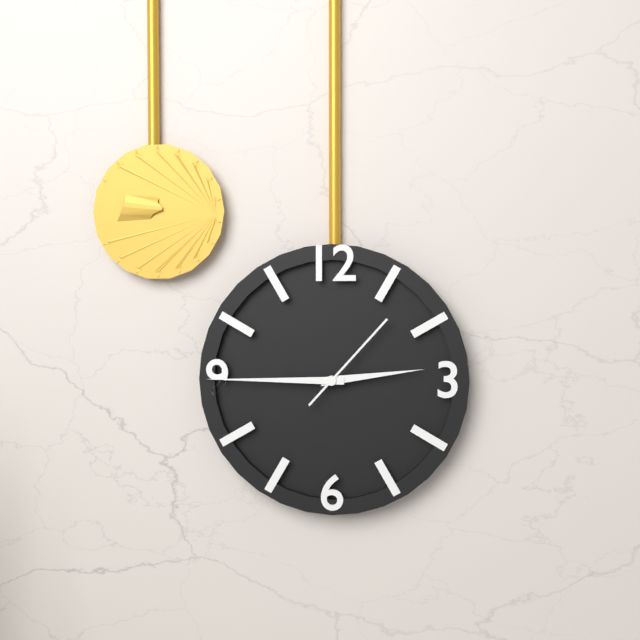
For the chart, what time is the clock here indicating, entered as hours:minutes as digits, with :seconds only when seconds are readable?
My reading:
2:45:07
